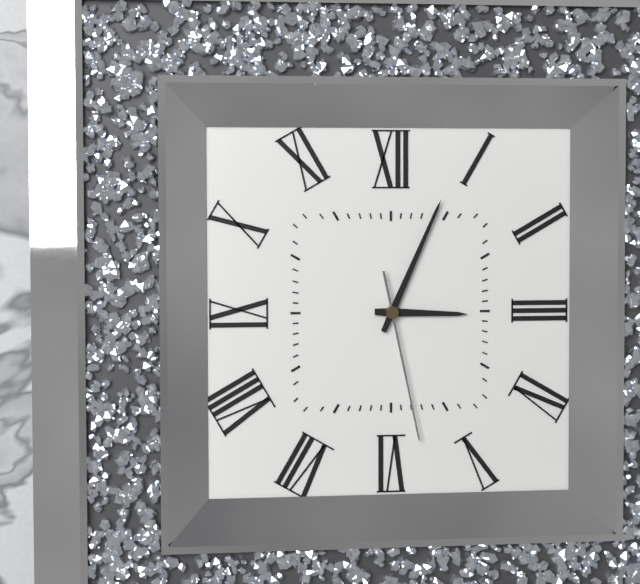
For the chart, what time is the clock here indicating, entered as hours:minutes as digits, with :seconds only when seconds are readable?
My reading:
3:04:28
